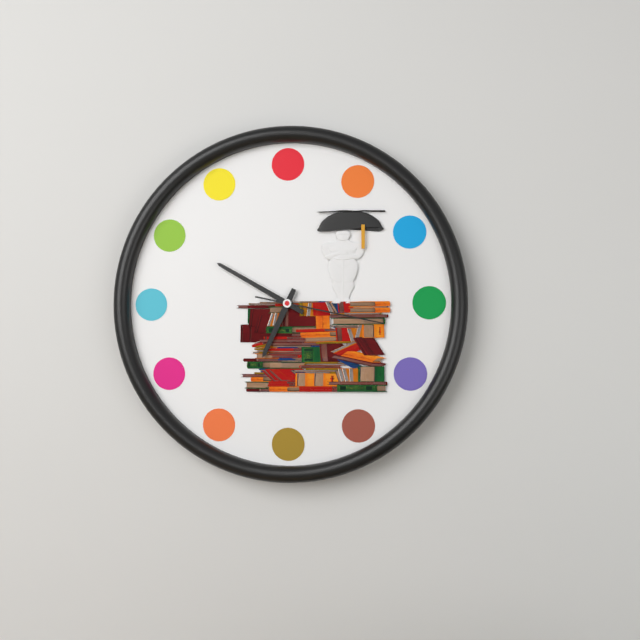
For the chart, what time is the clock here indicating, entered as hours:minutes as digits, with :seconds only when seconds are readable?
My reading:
6:50:17
